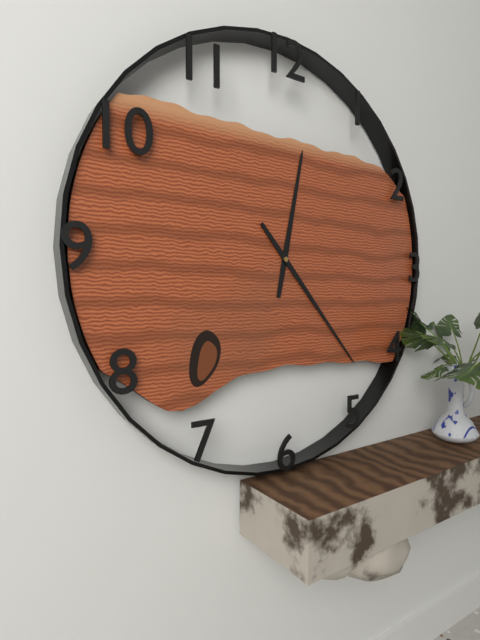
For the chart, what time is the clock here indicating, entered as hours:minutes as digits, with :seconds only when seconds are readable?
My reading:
12:23
